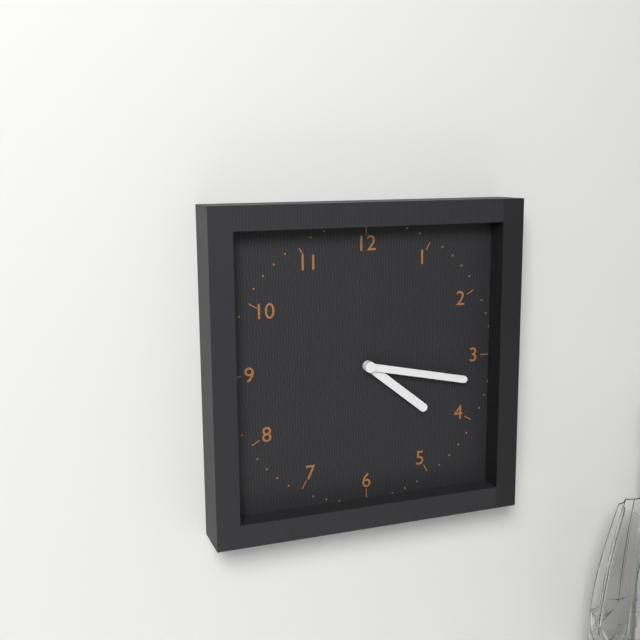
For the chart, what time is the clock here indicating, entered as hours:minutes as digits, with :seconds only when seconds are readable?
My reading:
4:17
